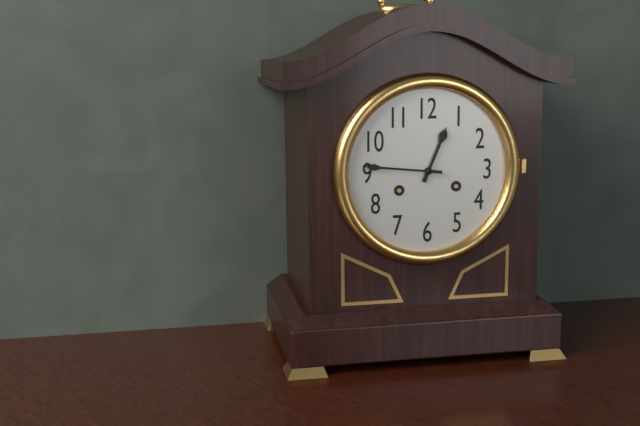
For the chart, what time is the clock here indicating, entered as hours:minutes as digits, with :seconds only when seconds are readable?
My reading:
12:46
